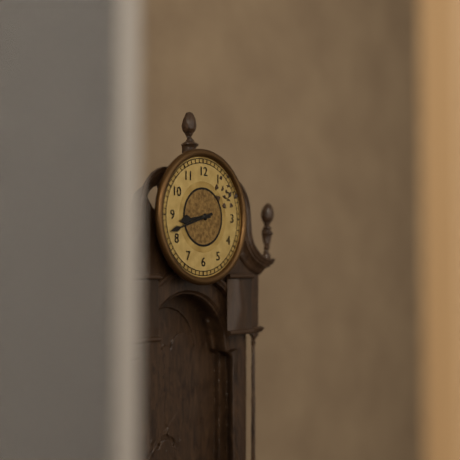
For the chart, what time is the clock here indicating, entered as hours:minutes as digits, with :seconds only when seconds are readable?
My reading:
8:42
